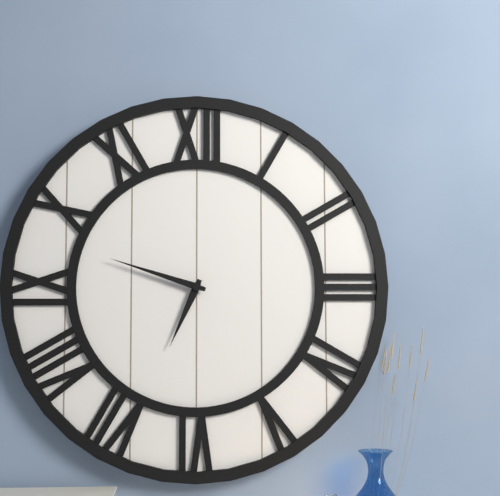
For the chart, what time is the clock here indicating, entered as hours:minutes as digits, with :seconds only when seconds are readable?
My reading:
6:48
